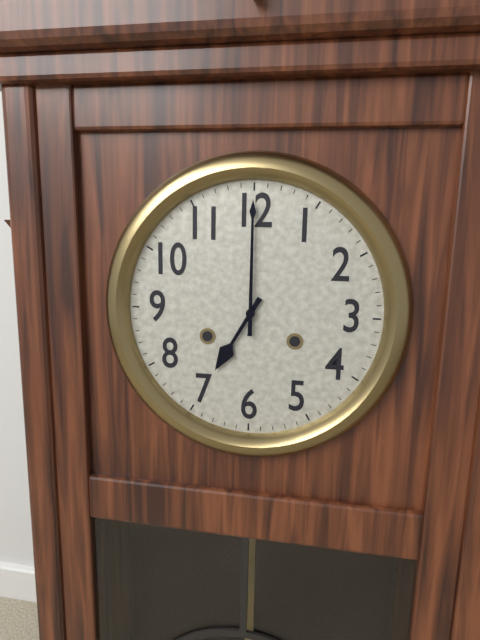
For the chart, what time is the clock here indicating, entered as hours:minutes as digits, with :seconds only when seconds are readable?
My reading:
7:00
